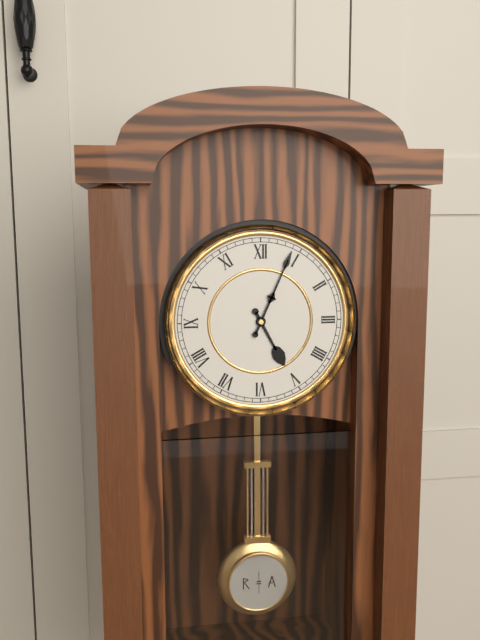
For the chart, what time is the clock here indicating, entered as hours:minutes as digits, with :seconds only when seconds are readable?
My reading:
5:04
